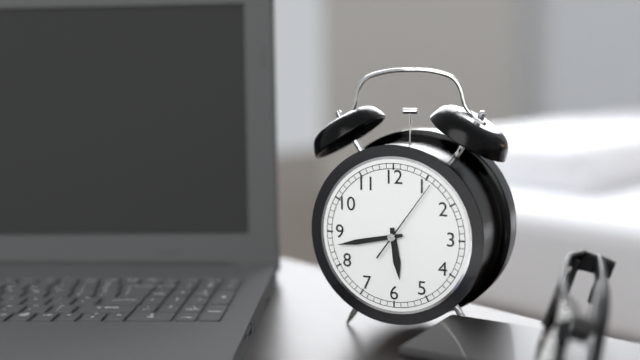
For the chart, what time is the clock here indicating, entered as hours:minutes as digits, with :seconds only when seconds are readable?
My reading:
5:43:06
